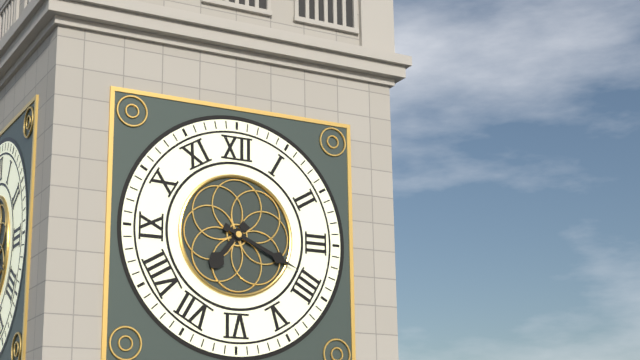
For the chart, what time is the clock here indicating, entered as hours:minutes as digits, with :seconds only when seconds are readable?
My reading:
7:19
